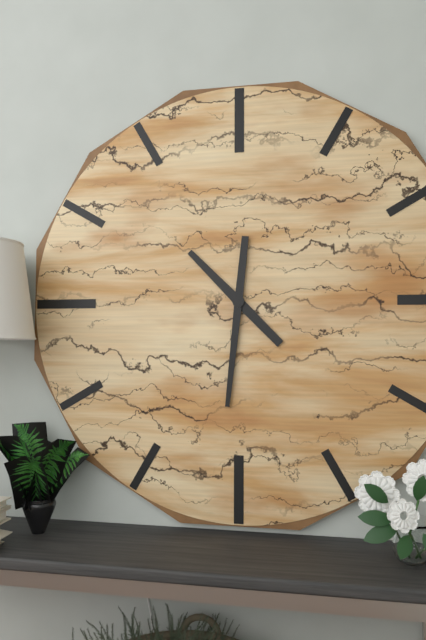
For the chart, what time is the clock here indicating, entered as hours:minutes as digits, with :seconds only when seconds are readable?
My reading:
10:31
